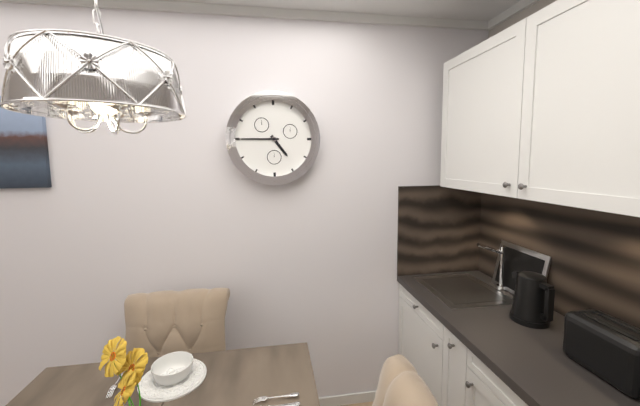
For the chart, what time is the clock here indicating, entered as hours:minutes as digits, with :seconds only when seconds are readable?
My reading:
4:45
